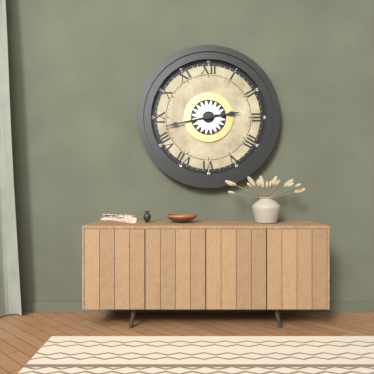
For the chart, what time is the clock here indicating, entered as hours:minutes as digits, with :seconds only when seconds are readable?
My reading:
2:43
